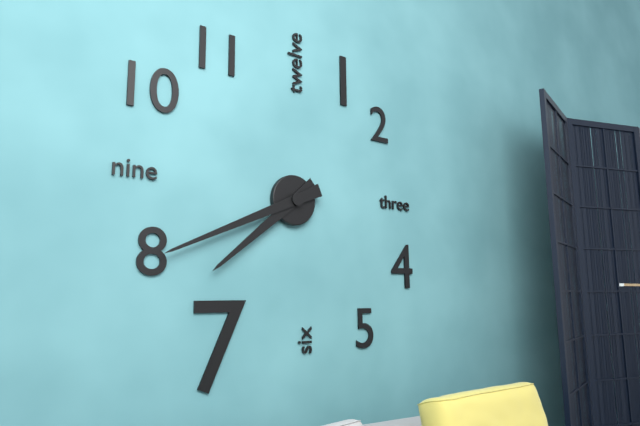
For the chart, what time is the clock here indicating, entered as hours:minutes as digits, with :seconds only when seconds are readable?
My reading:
7:41
